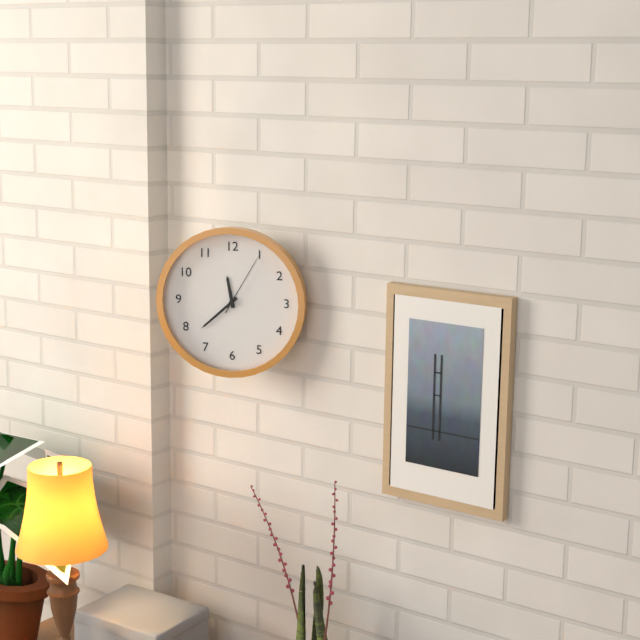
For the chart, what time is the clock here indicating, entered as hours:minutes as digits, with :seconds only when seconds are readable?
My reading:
11:38:05
